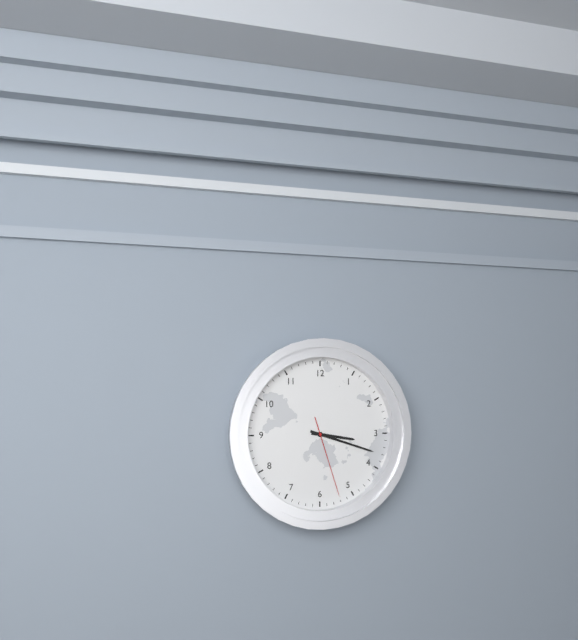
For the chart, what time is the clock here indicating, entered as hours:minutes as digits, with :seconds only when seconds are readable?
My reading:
3:18:27
